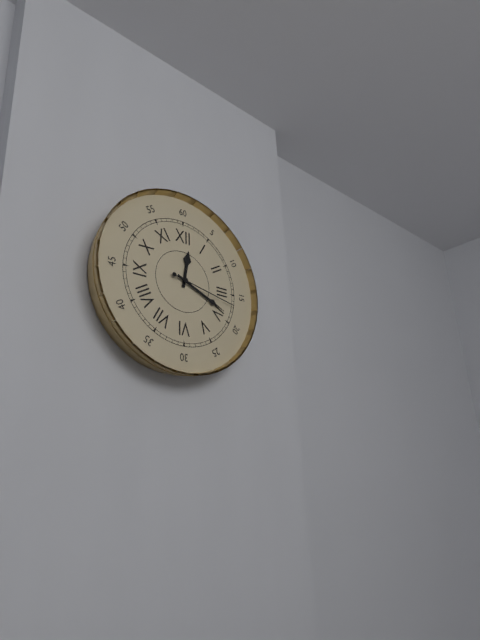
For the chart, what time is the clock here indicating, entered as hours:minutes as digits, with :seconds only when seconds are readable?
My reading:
12:19:17
